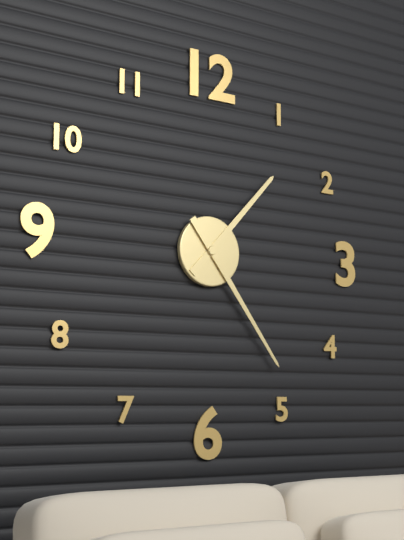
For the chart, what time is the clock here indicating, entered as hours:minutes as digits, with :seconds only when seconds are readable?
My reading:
1:24
